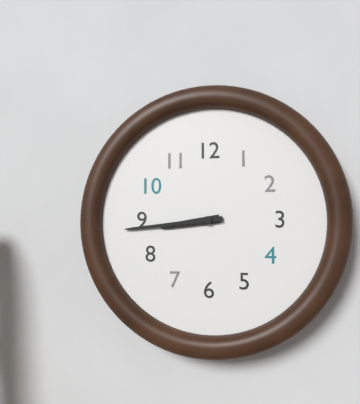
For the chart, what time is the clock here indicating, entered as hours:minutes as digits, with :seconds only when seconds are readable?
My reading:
8:44
